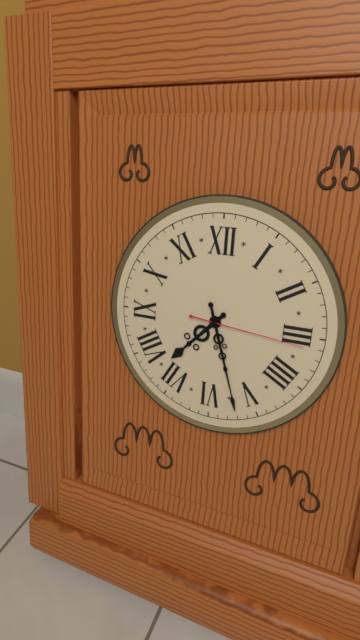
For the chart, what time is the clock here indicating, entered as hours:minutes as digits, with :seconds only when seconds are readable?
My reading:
7:27:16
